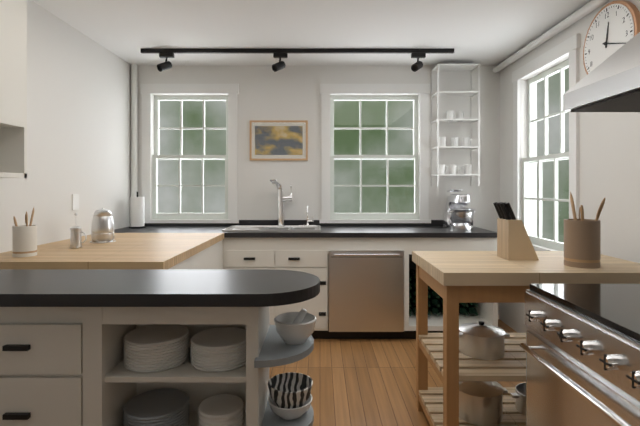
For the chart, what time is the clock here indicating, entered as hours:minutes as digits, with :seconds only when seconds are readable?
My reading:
12:18
